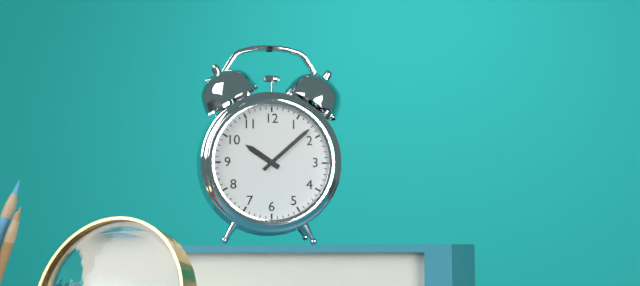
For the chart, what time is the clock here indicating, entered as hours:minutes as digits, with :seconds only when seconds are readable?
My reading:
10:08
